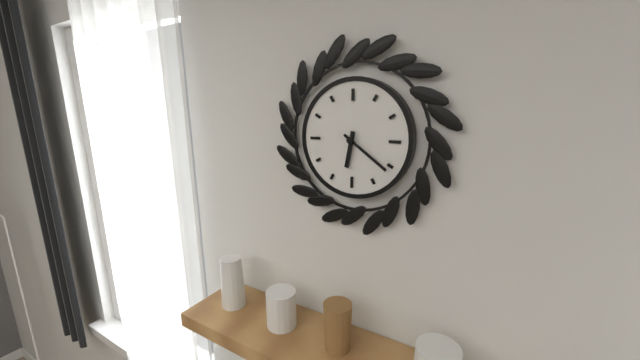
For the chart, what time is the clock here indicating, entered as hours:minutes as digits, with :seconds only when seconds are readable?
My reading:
6:21
